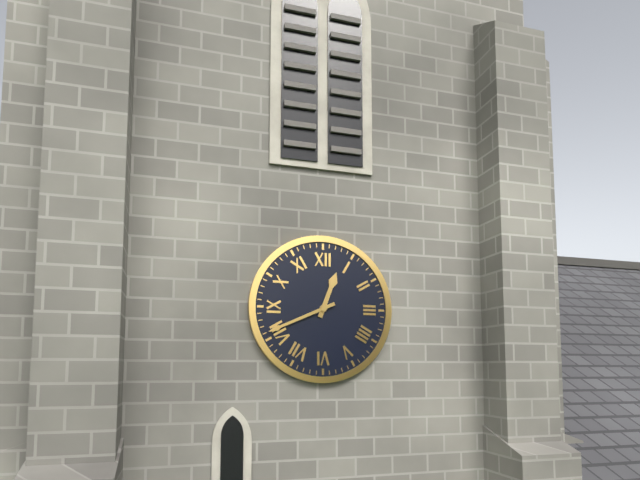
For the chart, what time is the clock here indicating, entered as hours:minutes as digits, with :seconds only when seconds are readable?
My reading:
12:41
